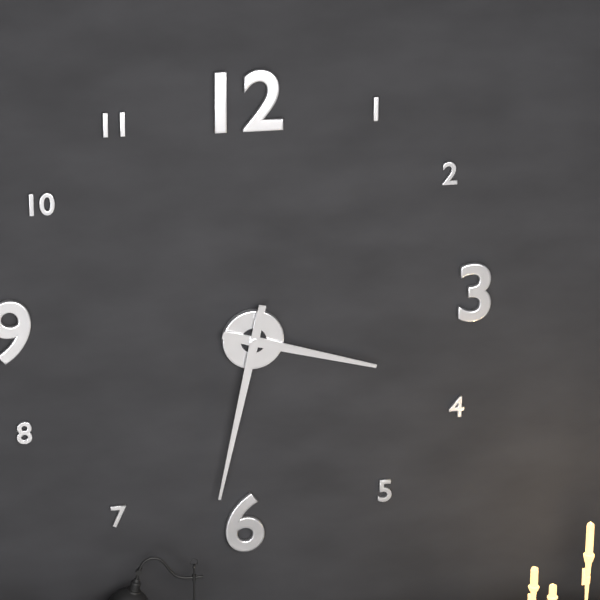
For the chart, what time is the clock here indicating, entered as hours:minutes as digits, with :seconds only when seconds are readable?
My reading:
3:32
